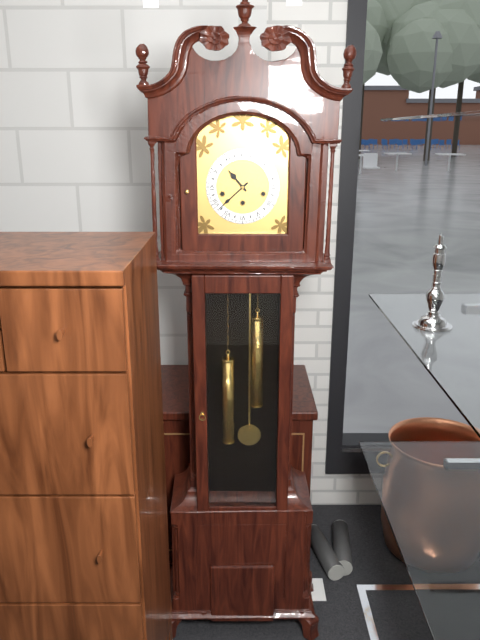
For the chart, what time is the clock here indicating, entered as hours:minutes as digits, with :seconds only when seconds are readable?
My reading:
10:38
